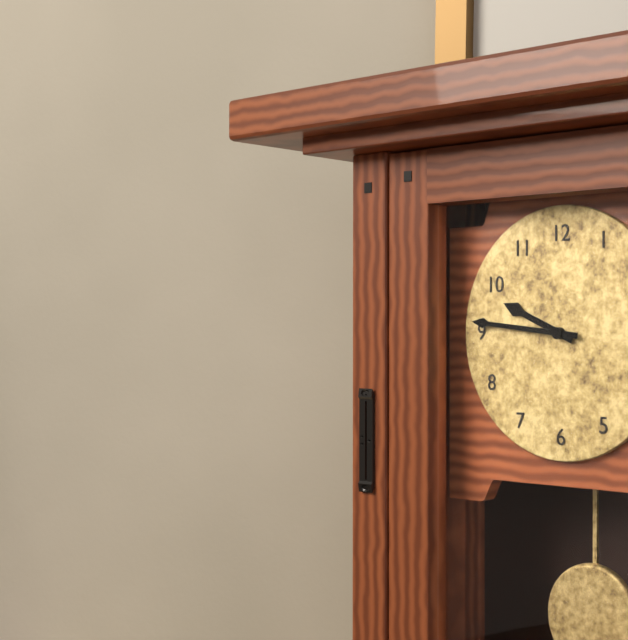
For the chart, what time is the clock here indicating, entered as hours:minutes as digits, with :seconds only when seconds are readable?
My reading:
9:46
